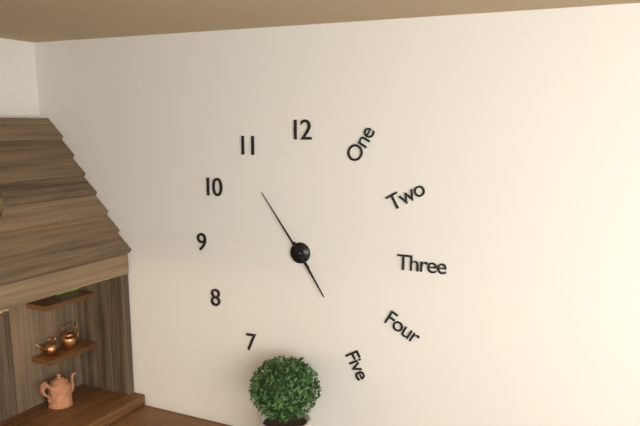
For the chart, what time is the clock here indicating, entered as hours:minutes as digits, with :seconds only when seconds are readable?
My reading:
4:54
